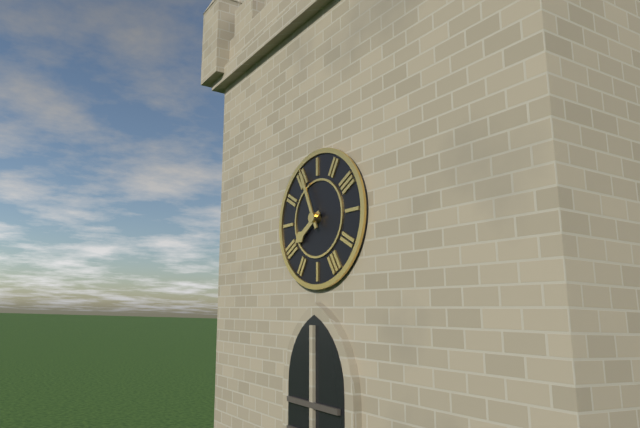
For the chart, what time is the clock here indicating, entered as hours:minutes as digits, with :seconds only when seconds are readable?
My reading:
7:56
